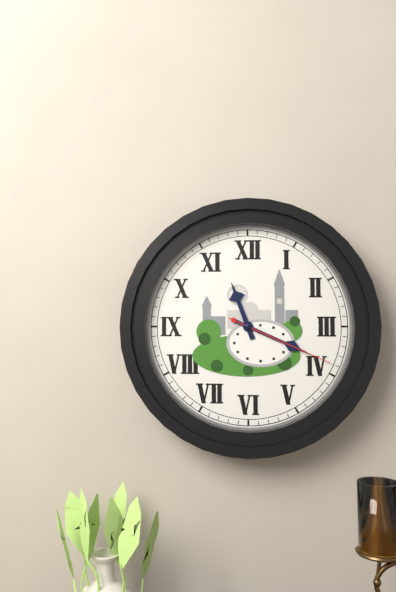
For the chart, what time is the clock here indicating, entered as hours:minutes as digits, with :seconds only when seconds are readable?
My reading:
11:19:19
